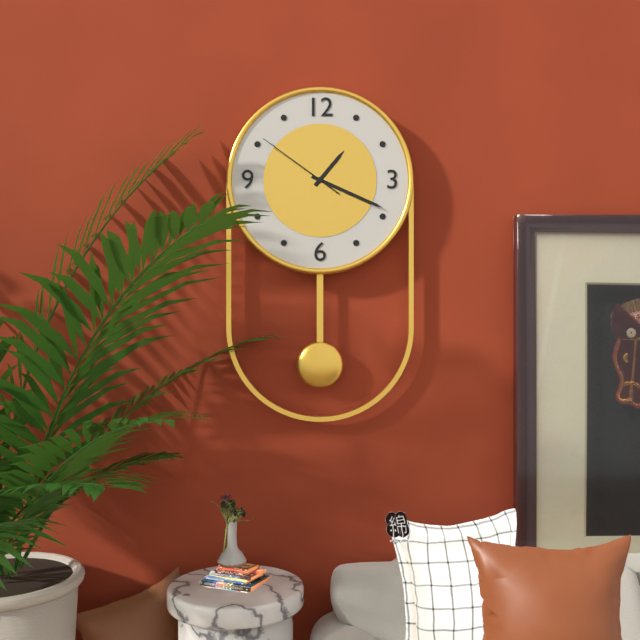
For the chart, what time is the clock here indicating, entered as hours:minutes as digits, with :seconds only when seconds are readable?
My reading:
1:19:51
